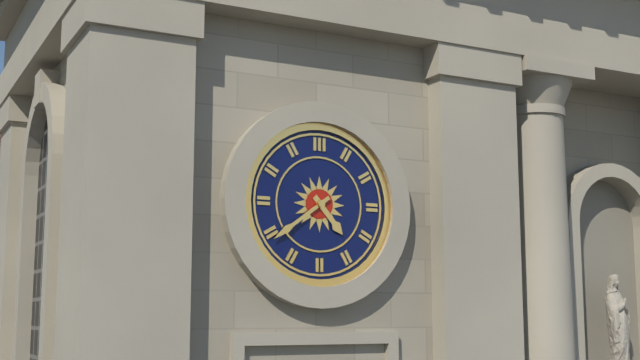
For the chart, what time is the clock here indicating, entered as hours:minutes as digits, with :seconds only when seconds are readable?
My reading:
4:39
